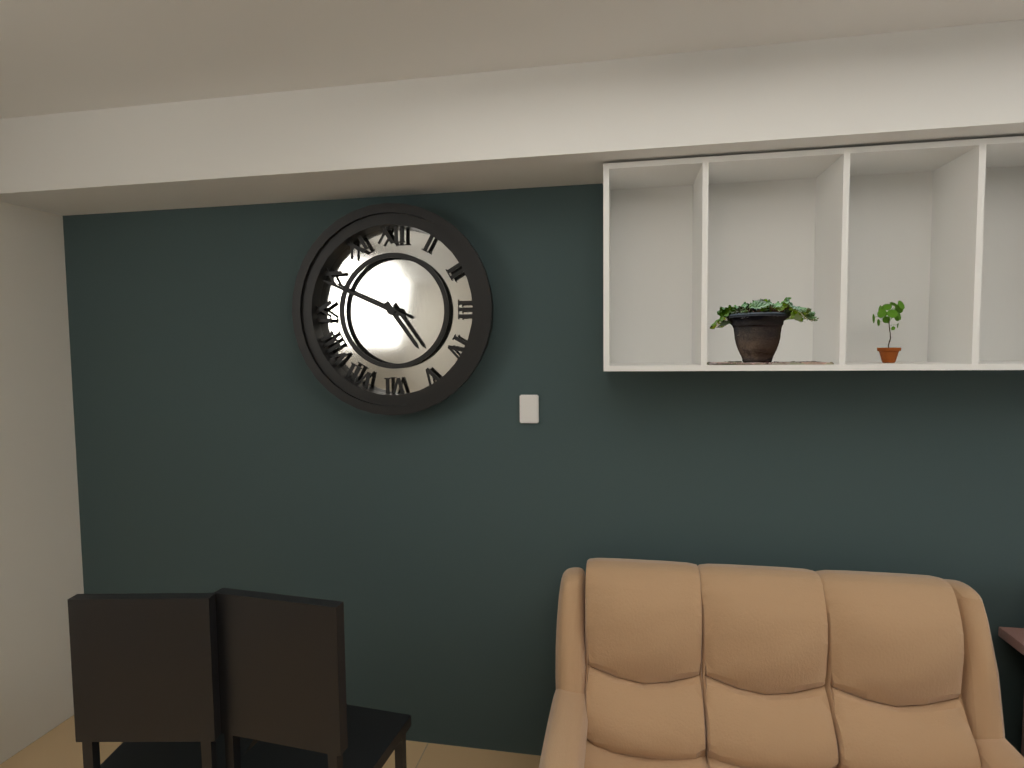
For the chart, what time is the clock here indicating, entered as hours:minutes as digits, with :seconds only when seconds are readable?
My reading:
4:49
